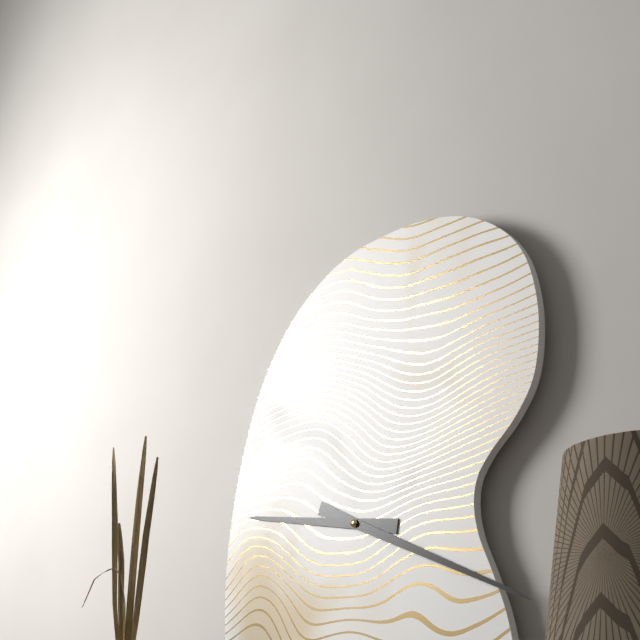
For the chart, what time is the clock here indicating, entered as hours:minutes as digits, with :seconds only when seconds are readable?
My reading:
9:19
